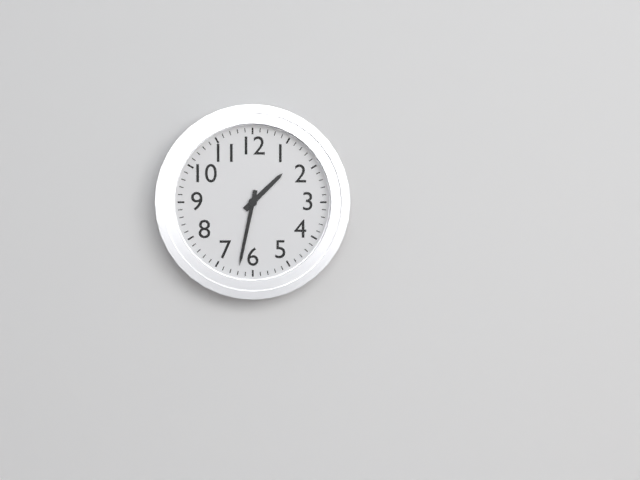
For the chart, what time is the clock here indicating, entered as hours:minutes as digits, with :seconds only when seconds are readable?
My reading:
1:32
